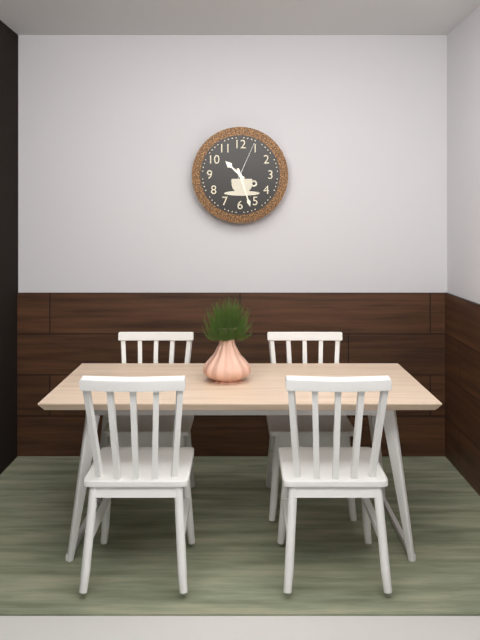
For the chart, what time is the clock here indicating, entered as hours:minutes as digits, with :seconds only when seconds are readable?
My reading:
10:27
